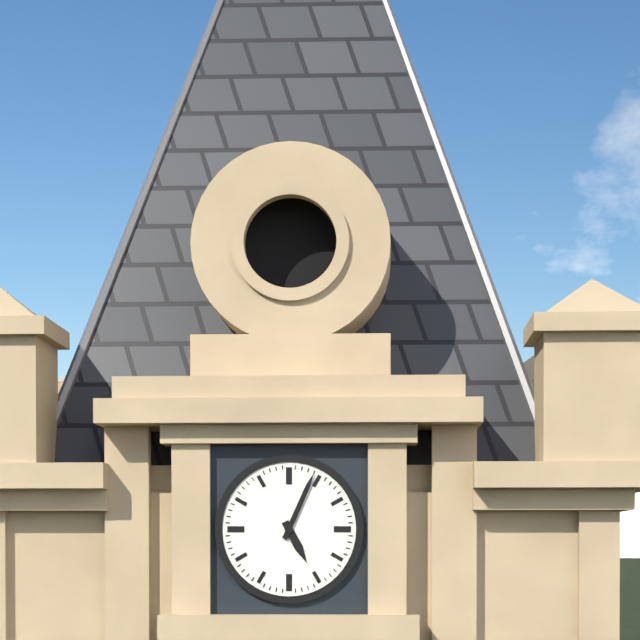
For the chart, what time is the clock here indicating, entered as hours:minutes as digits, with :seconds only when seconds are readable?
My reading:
5:04
